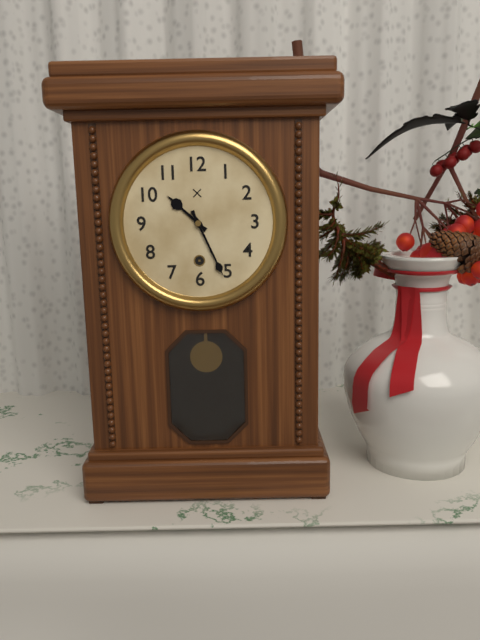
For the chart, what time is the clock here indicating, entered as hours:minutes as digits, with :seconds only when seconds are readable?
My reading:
10:26
